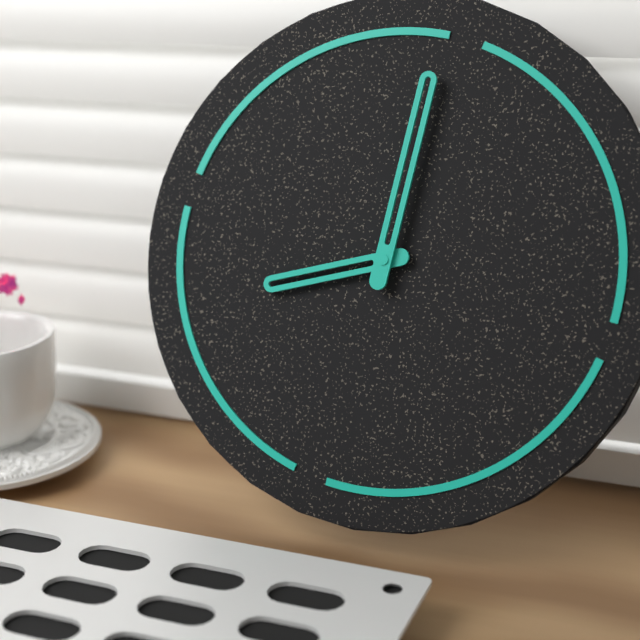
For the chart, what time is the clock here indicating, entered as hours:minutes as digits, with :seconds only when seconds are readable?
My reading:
7:59
